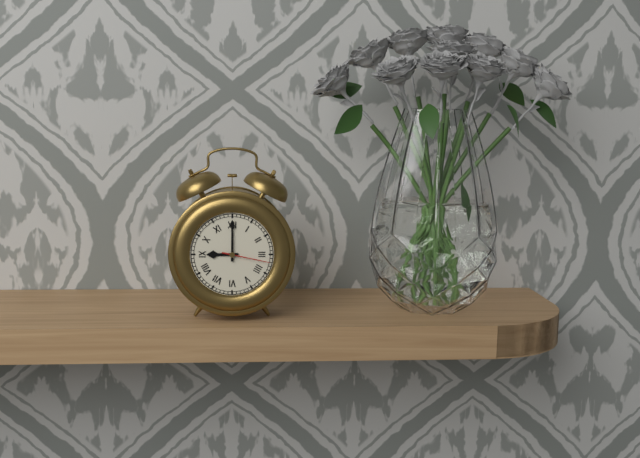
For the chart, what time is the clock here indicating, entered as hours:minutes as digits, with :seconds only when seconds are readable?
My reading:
9:00
